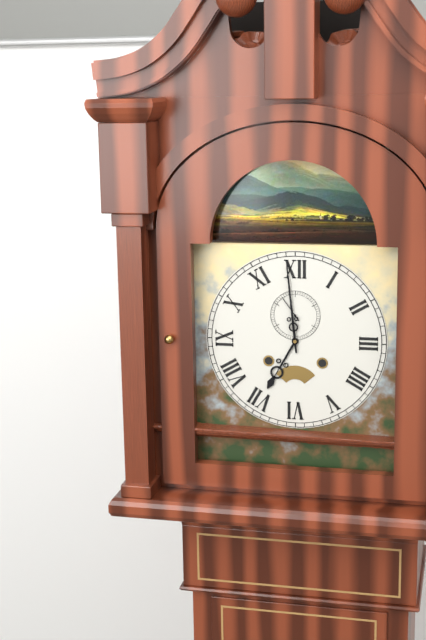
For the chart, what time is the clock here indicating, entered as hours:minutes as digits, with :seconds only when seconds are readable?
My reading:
6:59
